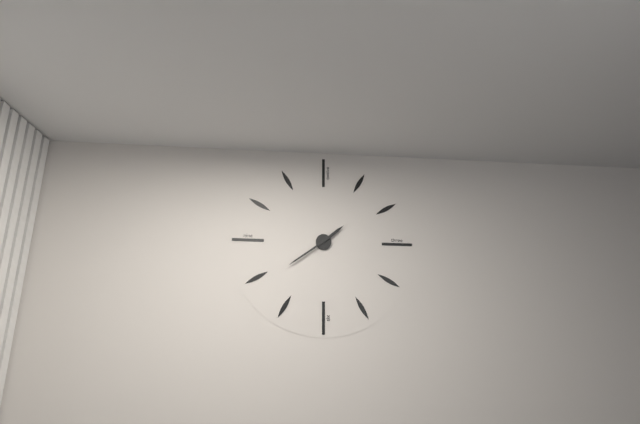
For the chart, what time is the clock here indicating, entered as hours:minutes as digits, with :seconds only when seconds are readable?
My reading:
1:39
